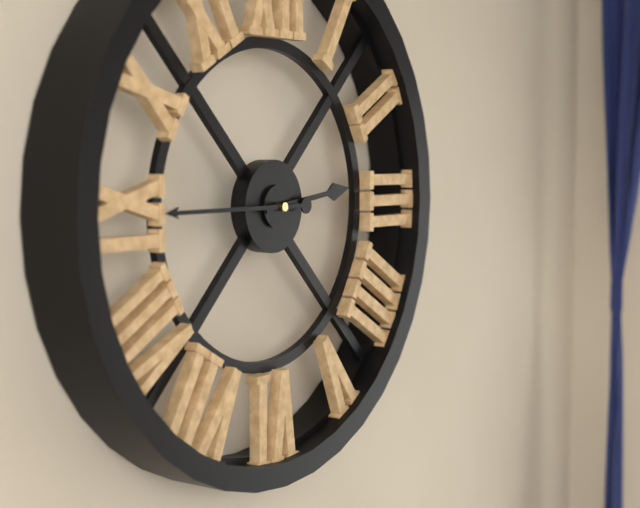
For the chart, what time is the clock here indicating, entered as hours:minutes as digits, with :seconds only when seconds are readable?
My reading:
2:45
